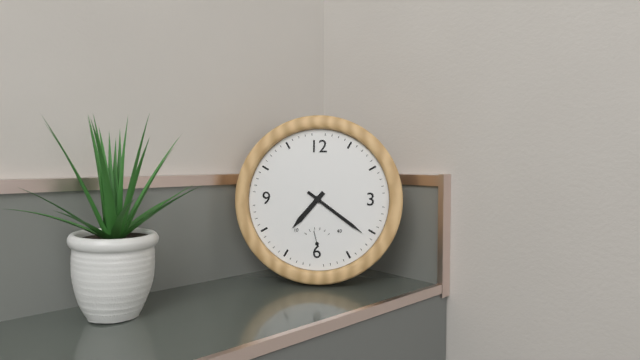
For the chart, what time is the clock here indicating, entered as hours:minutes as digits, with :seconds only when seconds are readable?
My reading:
7:21
